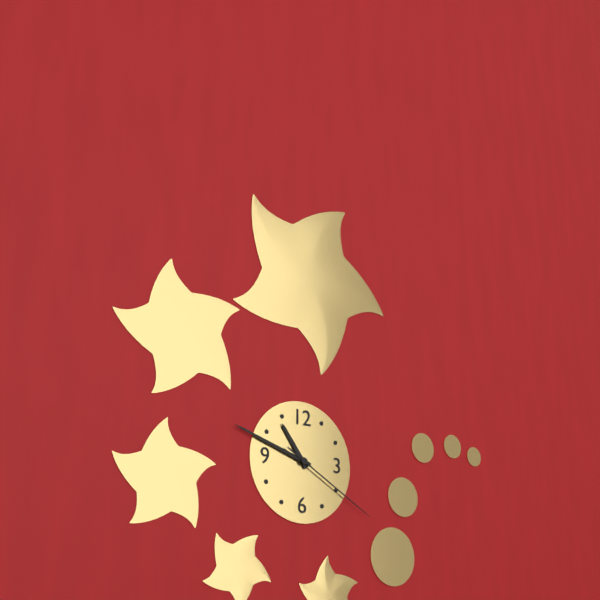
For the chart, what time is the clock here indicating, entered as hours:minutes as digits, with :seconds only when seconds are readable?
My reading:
10:48:20
